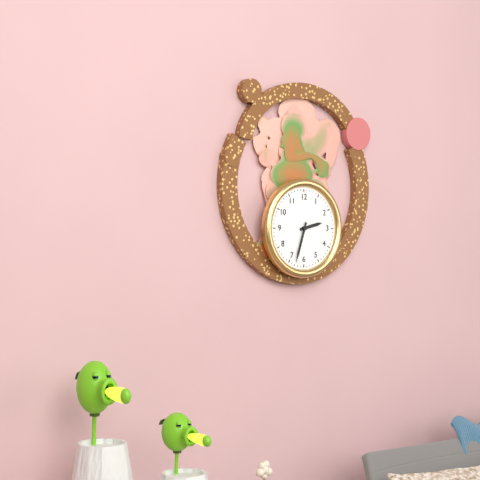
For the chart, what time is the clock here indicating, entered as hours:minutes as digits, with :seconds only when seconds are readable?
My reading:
2:33
